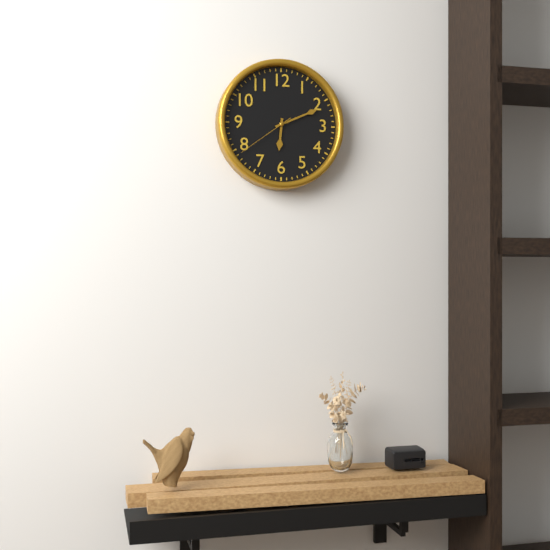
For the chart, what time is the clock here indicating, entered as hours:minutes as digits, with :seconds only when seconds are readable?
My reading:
6:11:39
